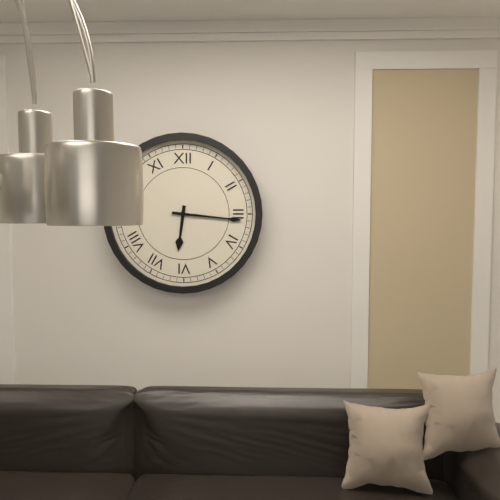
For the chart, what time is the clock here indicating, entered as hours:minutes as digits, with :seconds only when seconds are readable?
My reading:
6:16
